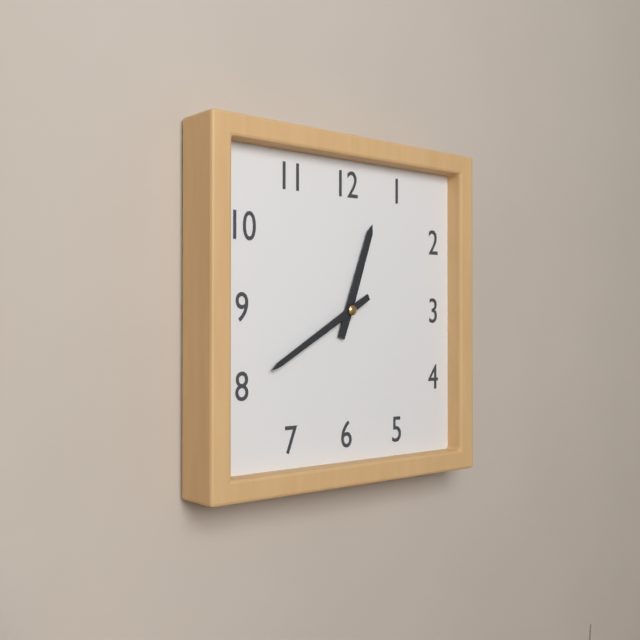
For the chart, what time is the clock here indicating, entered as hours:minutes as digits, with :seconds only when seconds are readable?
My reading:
12:40
